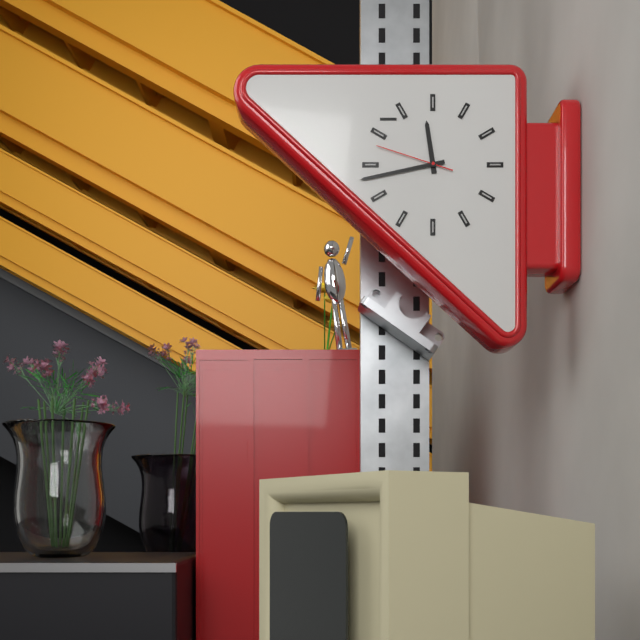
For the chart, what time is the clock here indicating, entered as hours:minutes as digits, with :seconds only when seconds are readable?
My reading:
11:43:48
